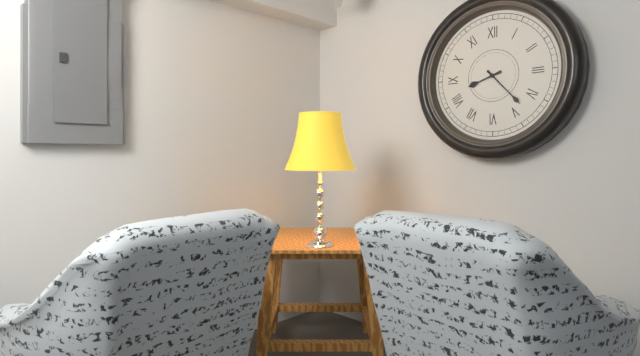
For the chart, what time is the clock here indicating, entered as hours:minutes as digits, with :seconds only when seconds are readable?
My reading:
8:23
